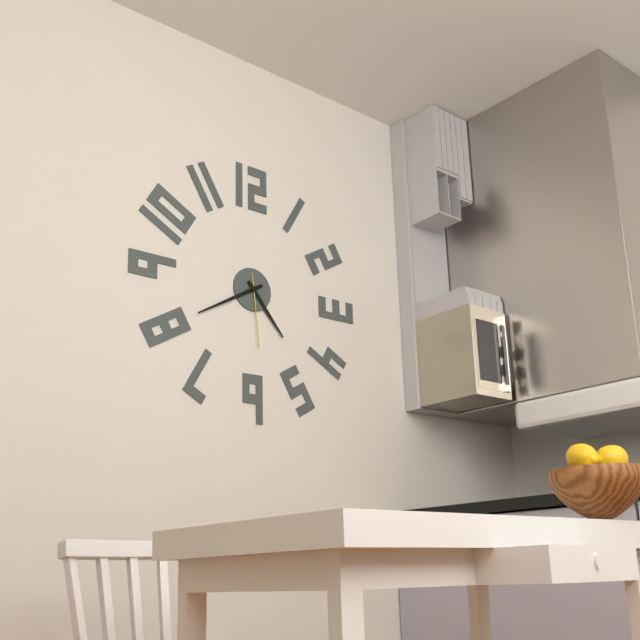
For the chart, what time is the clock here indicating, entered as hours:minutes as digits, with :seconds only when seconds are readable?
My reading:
4:40:29
